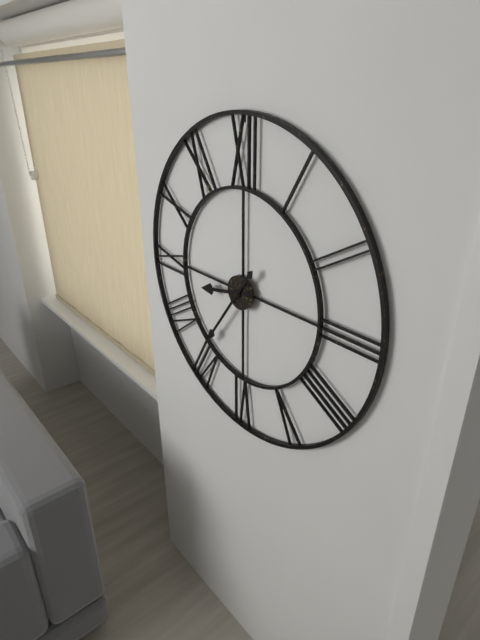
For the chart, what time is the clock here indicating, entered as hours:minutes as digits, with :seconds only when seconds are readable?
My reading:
8:36
